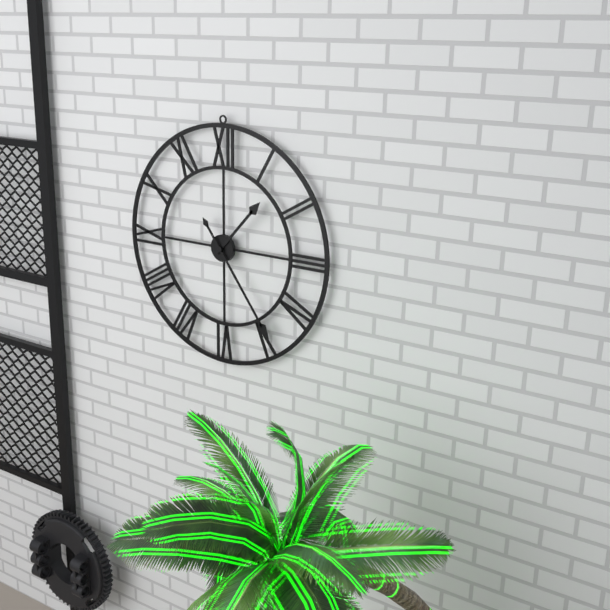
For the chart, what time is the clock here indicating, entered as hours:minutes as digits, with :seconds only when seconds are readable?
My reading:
1:24
